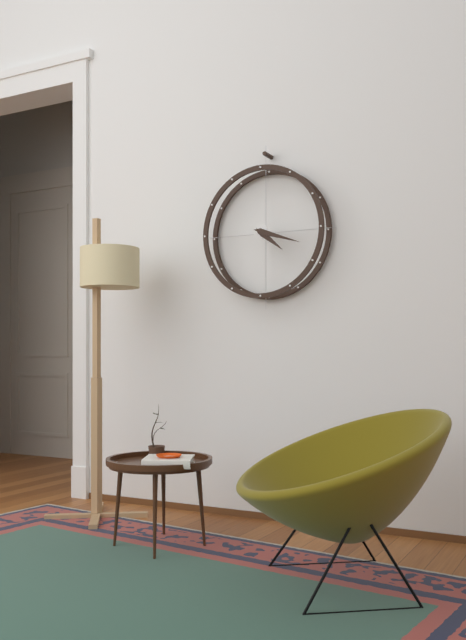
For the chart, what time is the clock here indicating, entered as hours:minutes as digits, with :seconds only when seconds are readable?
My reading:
4:18
